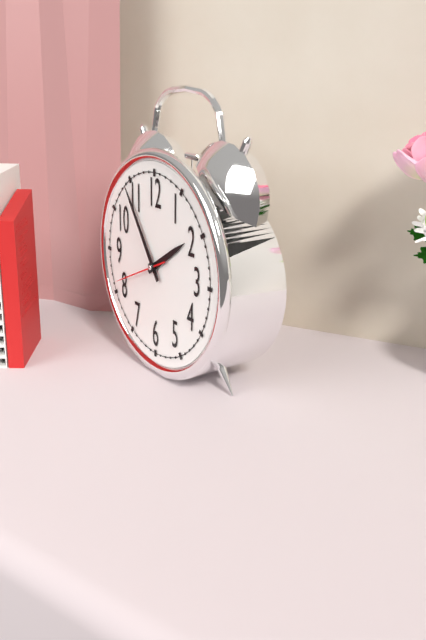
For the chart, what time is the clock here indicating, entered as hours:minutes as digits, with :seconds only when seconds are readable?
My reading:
1:54:41
